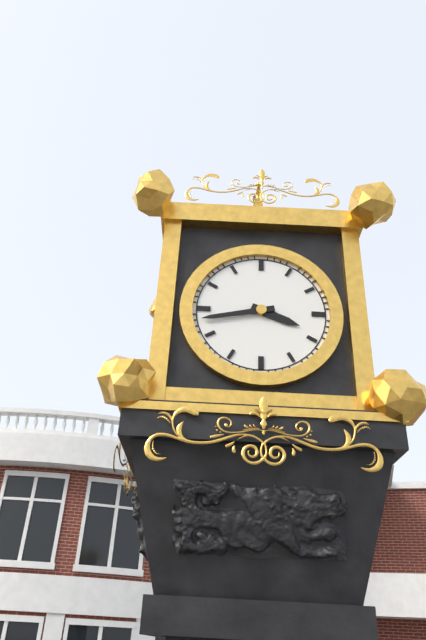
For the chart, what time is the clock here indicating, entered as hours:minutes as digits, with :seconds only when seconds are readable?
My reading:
3:43
